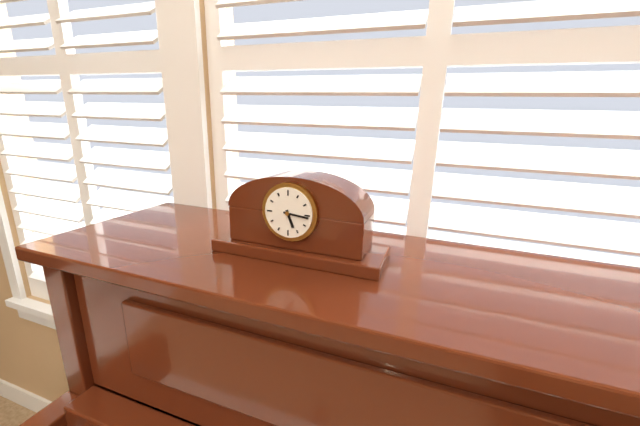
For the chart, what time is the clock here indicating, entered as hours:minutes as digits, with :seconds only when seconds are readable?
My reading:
5:16
